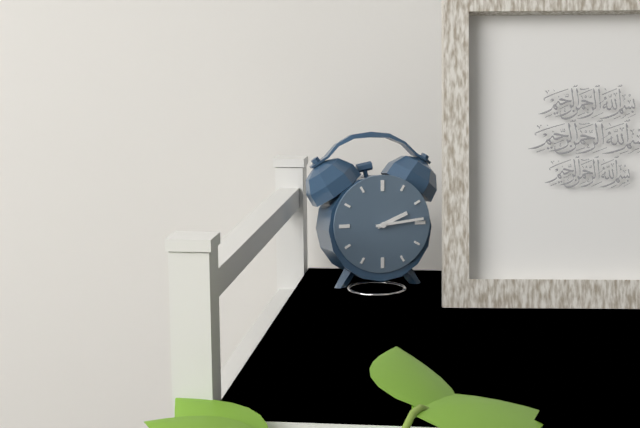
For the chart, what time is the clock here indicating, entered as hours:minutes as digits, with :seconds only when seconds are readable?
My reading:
2:14
